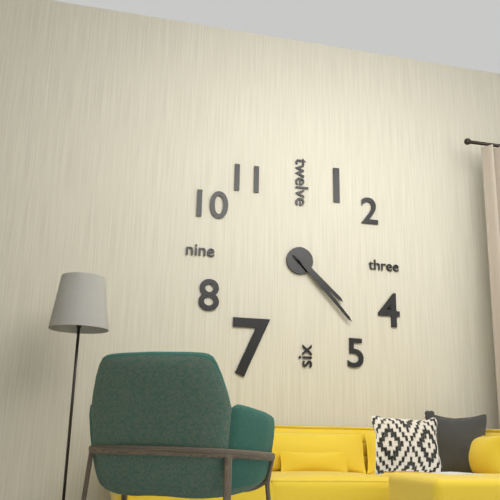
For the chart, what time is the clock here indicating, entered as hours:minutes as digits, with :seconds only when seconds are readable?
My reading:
4:23
